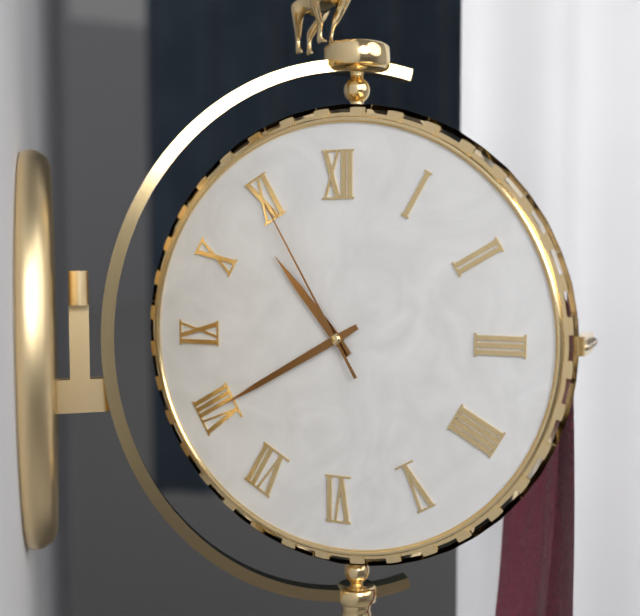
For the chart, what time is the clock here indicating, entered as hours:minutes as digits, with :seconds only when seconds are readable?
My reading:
10:40:55
